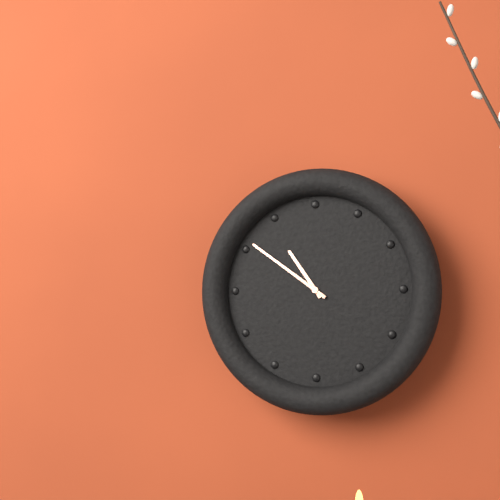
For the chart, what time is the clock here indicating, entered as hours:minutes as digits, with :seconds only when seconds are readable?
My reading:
10:51
